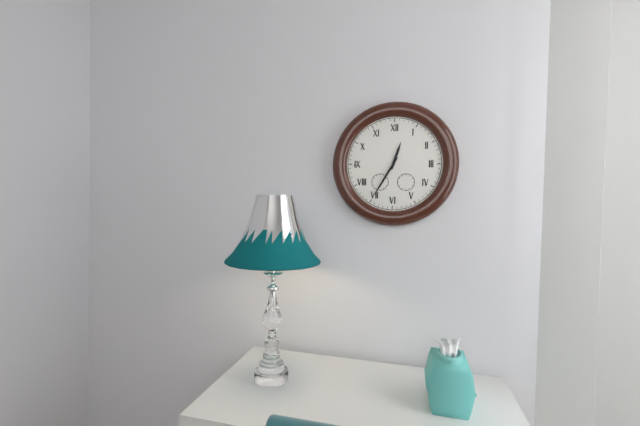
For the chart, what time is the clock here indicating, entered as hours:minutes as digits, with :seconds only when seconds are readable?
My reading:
12:35
